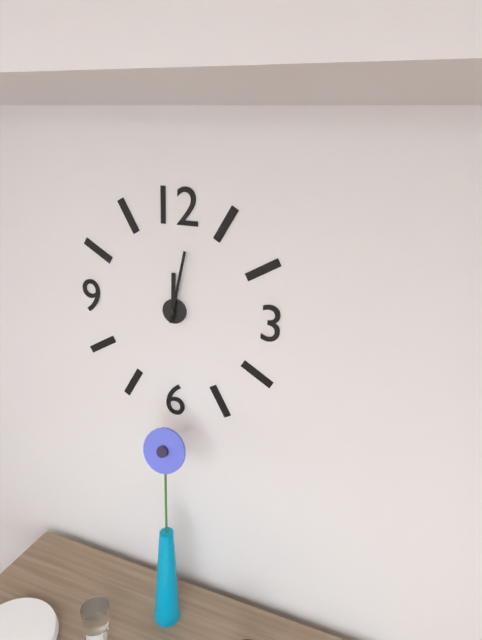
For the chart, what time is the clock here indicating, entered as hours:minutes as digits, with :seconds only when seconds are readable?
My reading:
12:02
